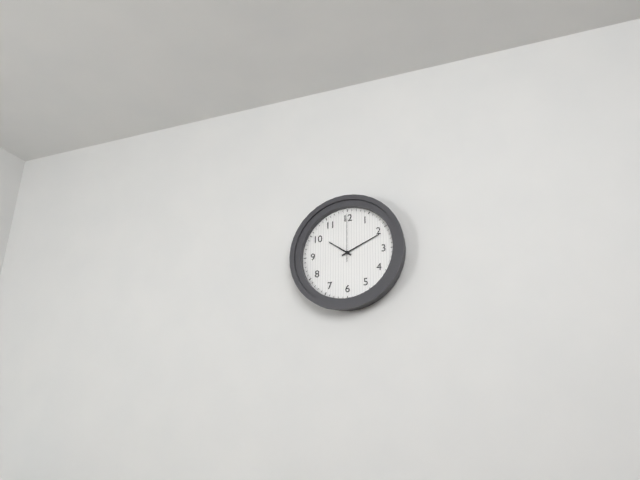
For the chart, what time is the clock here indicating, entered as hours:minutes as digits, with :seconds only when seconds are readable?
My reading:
10:11
